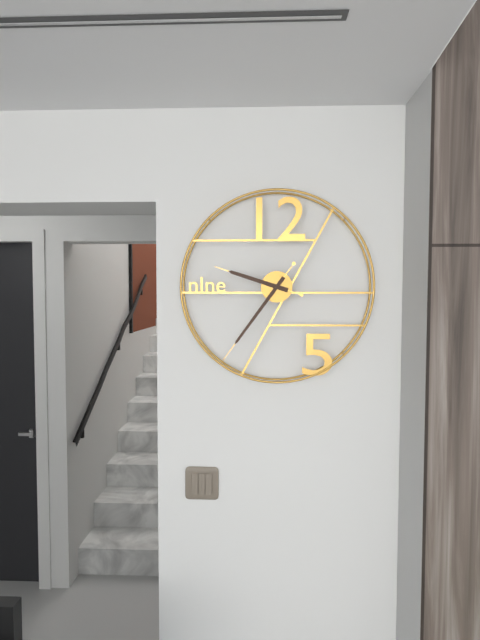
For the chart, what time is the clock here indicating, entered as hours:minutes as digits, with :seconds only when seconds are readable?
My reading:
9:36
